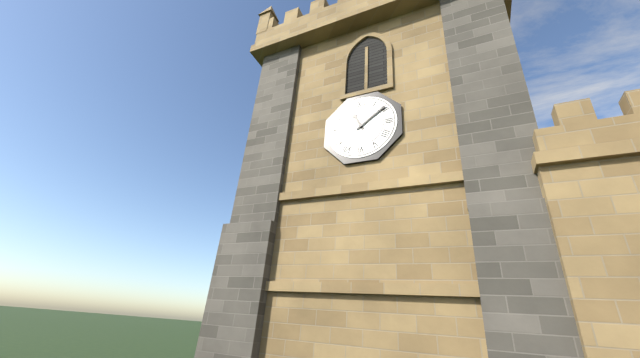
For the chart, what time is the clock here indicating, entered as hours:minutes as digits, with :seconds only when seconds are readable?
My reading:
11:09
